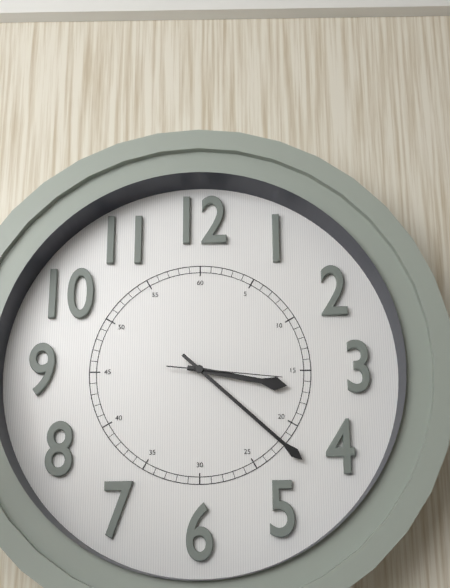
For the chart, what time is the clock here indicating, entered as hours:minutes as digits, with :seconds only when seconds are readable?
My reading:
3:22:16
